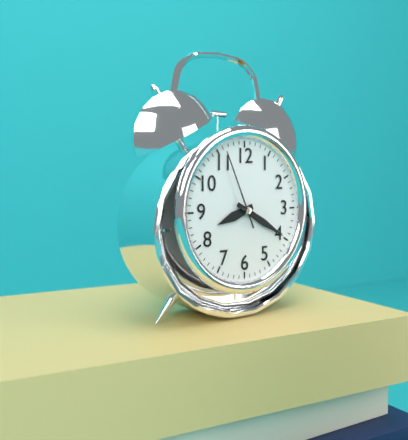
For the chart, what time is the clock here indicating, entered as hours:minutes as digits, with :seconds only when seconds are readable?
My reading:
8:20:56
